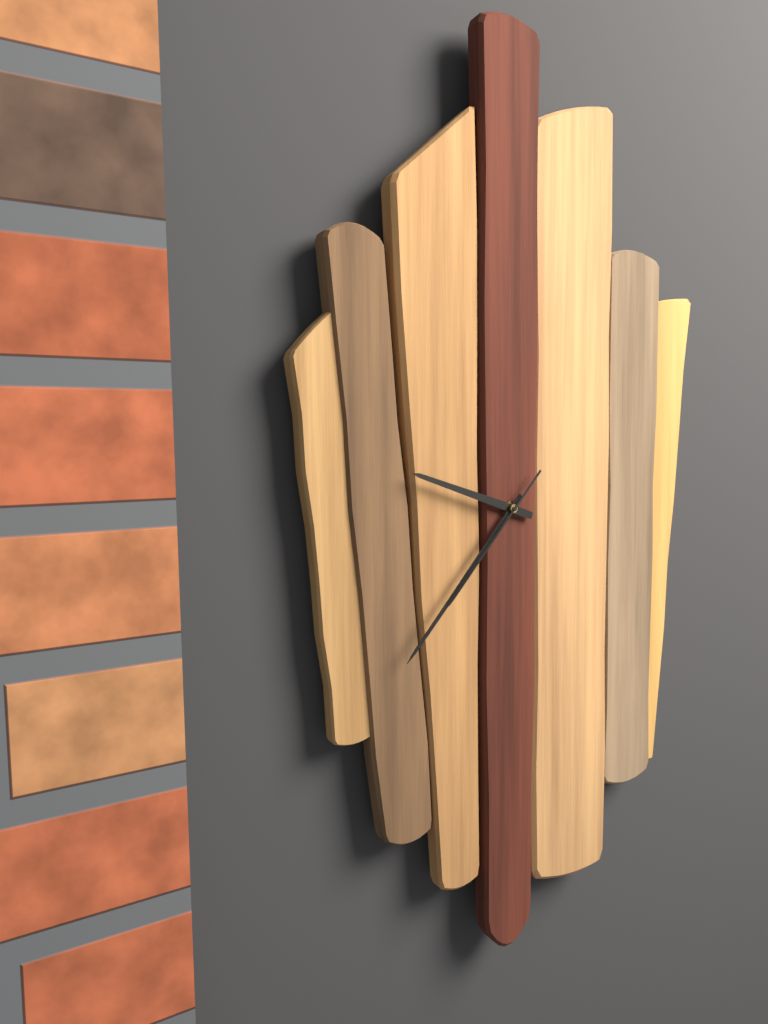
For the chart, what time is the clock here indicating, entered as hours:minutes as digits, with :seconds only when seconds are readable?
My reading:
9:37:37
